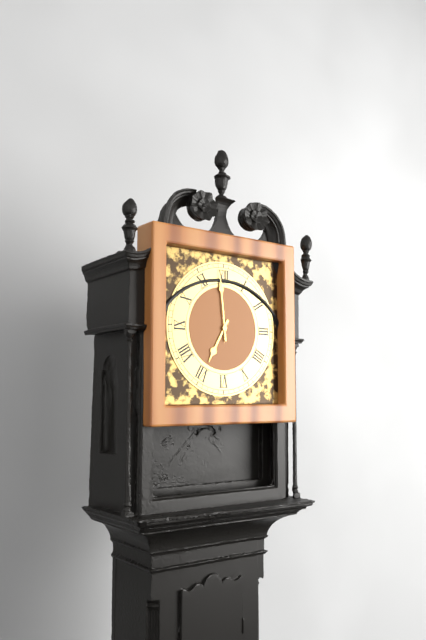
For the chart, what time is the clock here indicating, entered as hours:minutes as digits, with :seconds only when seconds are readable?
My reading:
6:59
